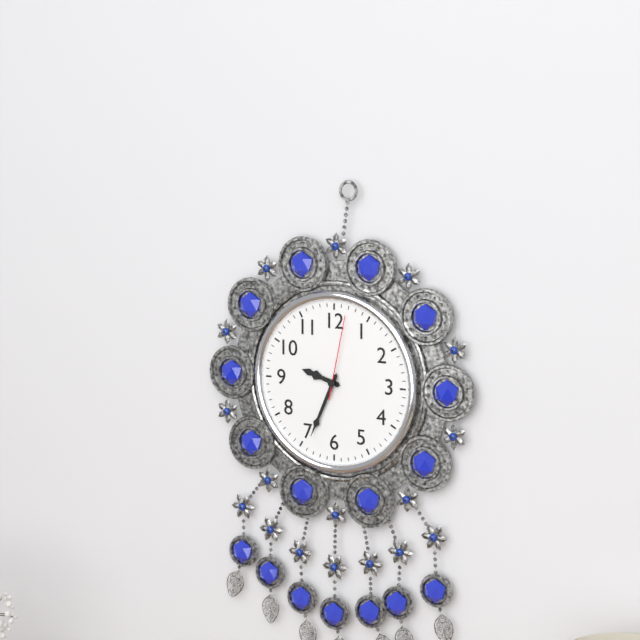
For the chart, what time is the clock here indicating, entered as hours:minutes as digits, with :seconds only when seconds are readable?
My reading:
9:34:02
